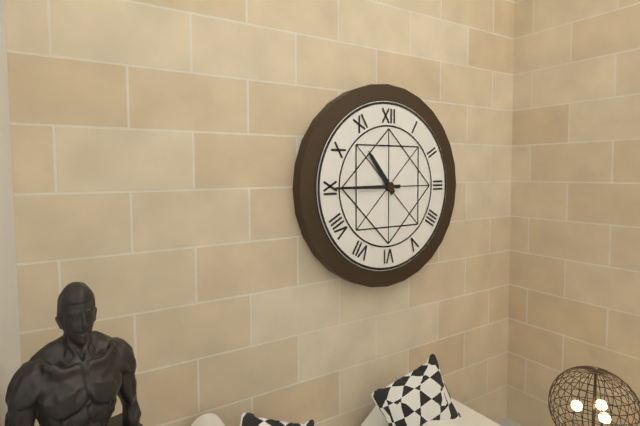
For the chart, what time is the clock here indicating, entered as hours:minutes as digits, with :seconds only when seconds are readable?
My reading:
10:45
